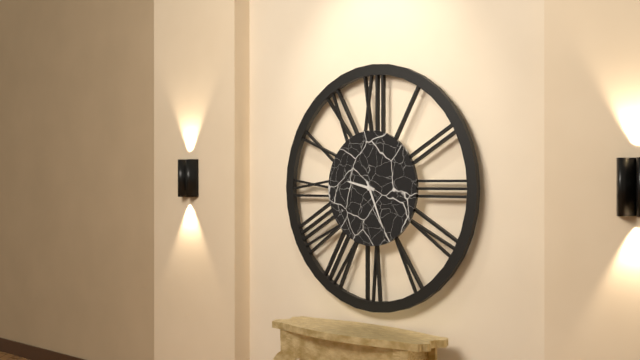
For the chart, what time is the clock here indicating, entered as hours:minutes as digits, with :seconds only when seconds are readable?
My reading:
9:26
